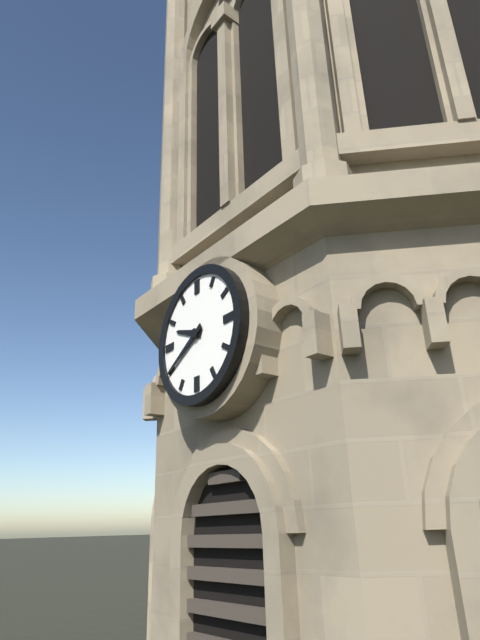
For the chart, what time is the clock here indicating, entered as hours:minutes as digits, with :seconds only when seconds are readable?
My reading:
9:40
